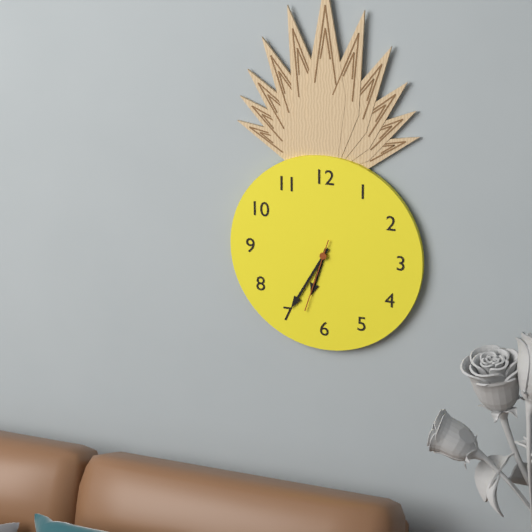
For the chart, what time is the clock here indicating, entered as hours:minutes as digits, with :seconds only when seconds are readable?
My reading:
6:35:33
